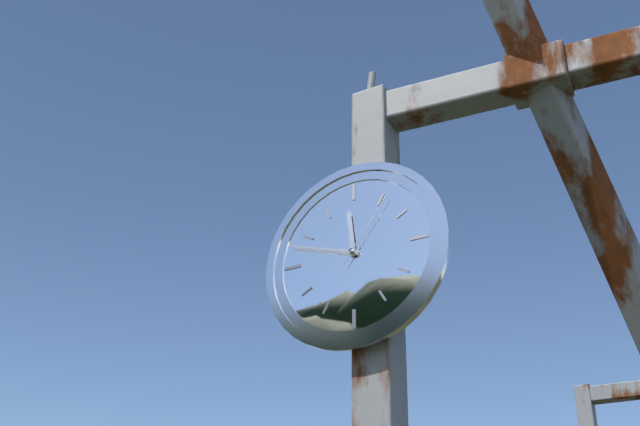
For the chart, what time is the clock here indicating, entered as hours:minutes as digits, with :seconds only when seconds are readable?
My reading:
11:48:06
